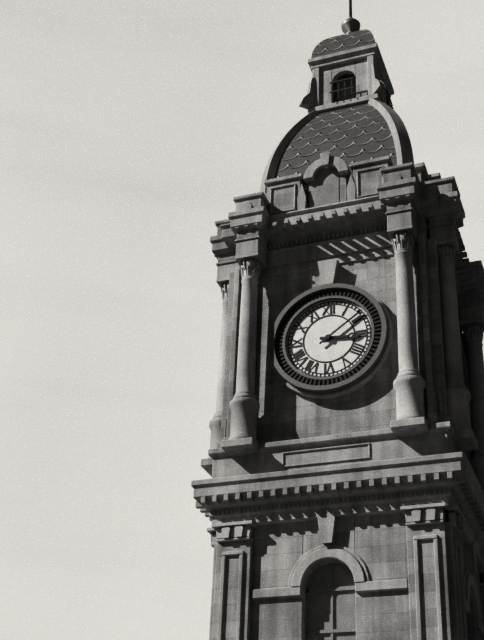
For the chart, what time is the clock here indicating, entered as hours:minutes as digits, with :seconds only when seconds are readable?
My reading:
3:09
